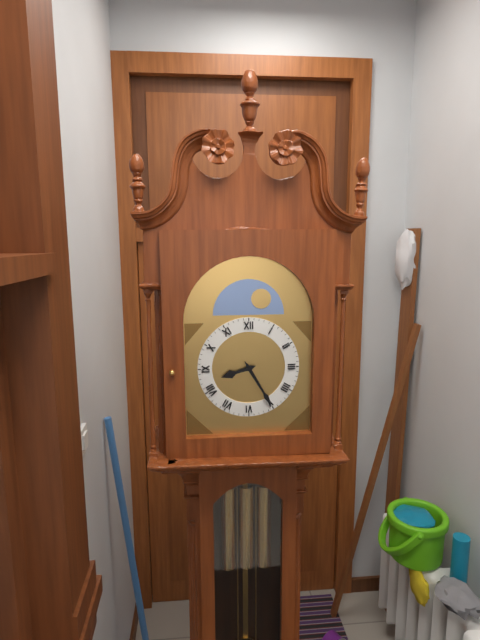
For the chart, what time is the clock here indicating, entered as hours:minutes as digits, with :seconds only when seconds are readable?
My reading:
8:25
